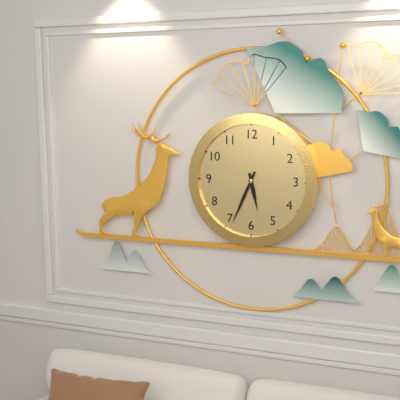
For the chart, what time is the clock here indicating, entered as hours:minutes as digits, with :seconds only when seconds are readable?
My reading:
5:34
